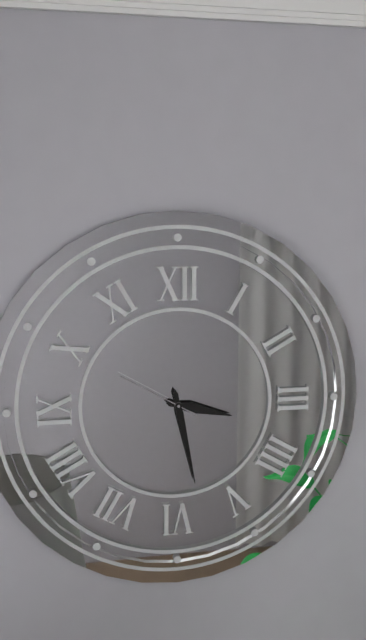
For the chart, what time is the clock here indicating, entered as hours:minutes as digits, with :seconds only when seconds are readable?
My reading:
3:28:50
